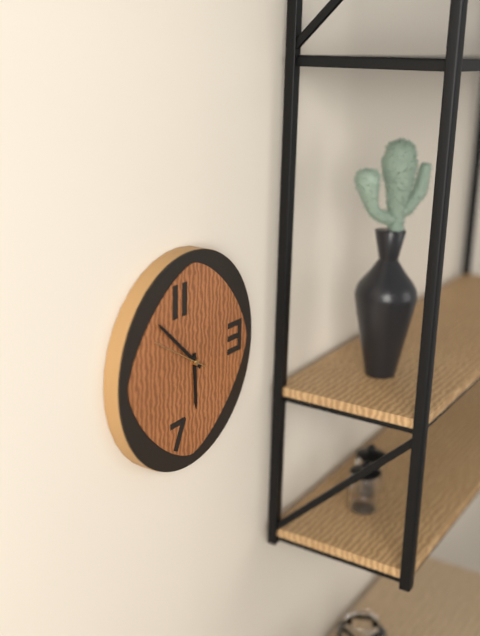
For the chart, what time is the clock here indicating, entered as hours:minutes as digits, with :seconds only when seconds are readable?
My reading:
5:52
